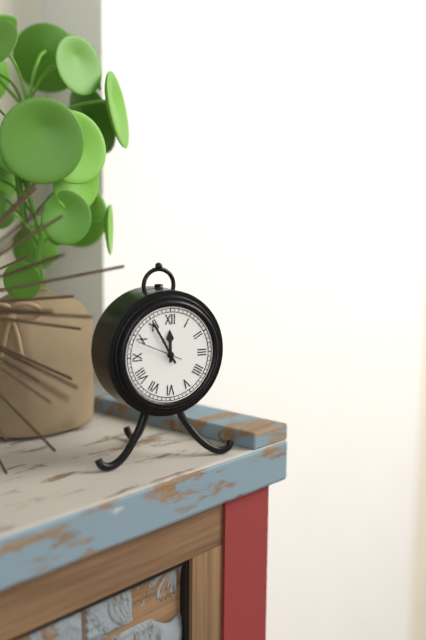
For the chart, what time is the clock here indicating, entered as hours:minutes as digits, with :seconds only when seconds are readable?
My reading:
11:55
